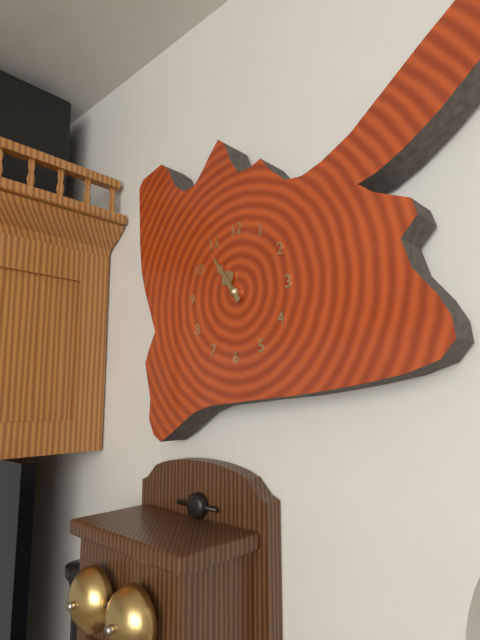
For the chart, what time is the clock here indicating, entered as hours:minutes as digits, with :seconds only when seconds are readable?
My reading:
10:54
